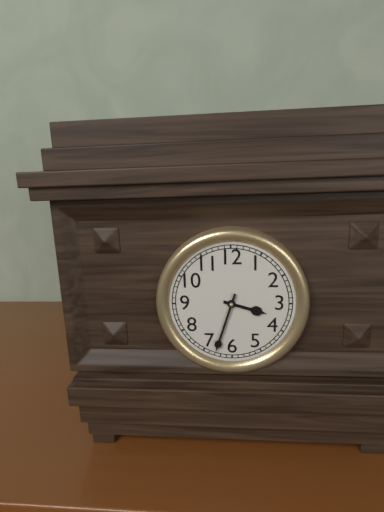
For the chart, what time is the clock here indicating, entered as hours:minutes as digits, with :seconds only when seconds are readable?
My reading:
3:33
